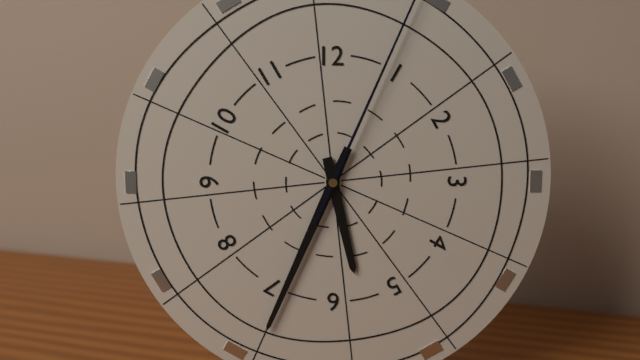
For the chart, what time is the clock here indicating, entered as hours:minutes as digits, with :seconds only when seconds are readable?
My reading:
5:34
